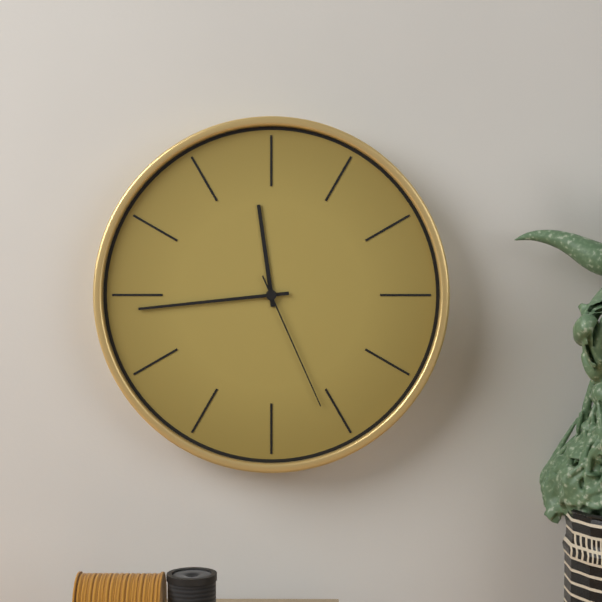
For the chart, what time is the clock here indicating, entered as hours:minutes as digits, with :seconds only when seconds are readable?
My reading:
11:44:26
